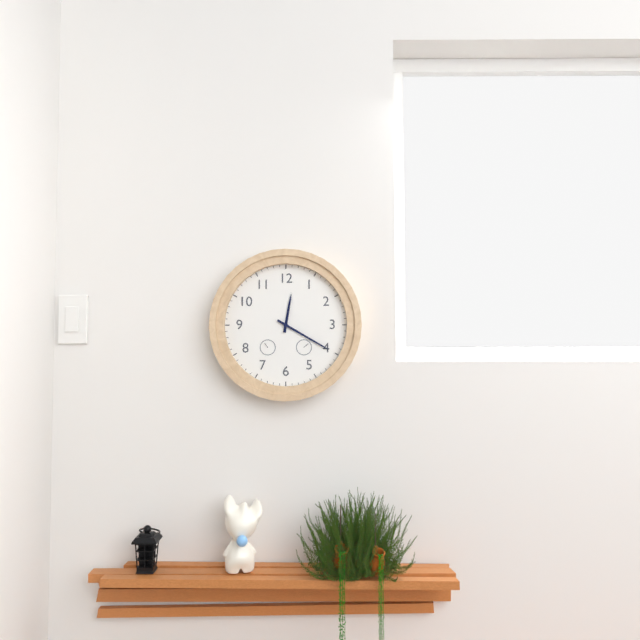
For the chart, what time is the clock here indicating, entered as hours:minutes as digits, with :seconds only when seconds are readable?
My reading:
12:20
